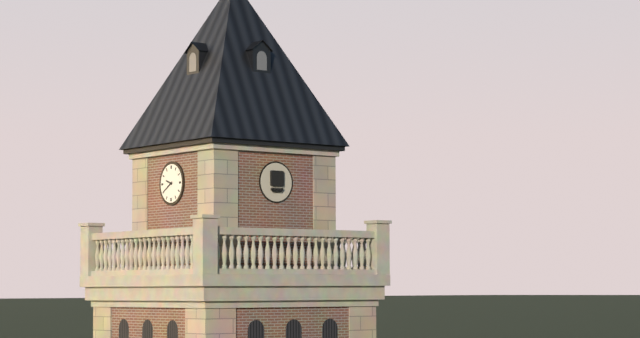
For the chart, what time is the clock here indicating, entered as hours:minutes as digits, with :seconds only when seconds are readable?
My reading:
9:40
